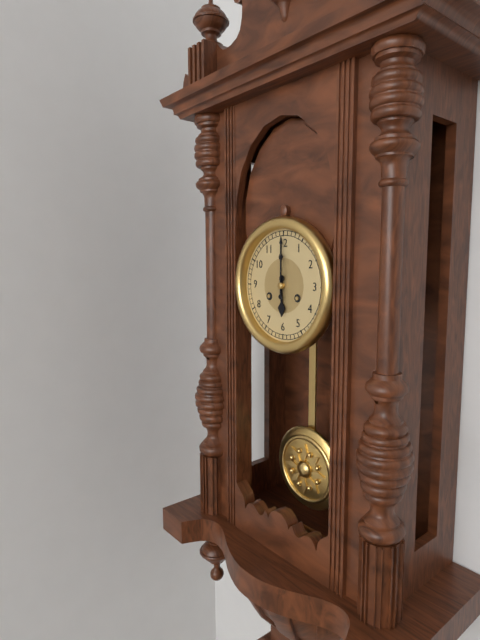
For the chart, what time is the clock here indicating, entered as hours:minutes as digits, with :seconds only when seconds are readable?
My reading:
6:00
